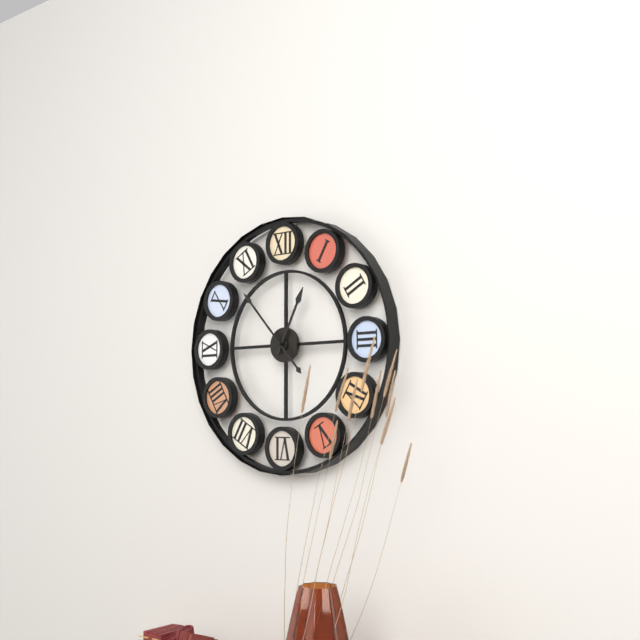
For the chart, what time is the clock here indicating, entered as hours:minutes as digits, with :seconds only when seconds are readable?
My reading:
12:53
